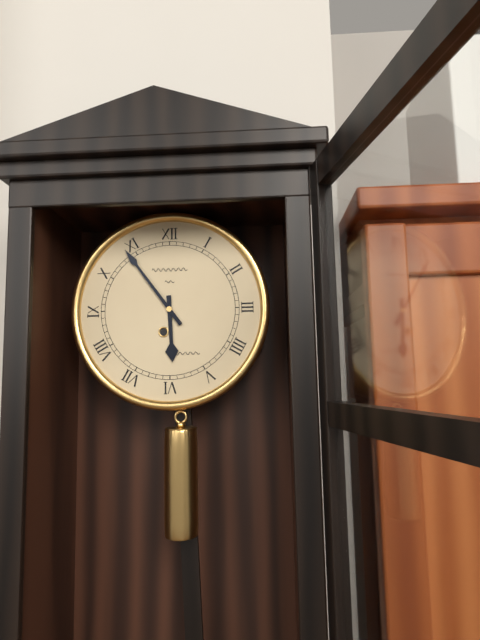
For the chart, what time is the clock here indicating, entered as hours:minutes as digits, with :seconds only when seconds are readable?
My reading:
5:54
